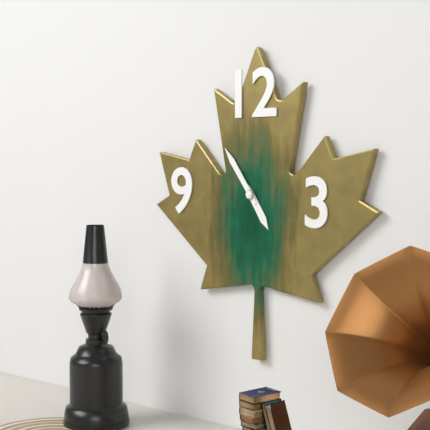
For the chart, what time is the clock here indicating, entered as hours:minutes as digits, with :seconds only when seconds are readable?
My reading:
4:54
